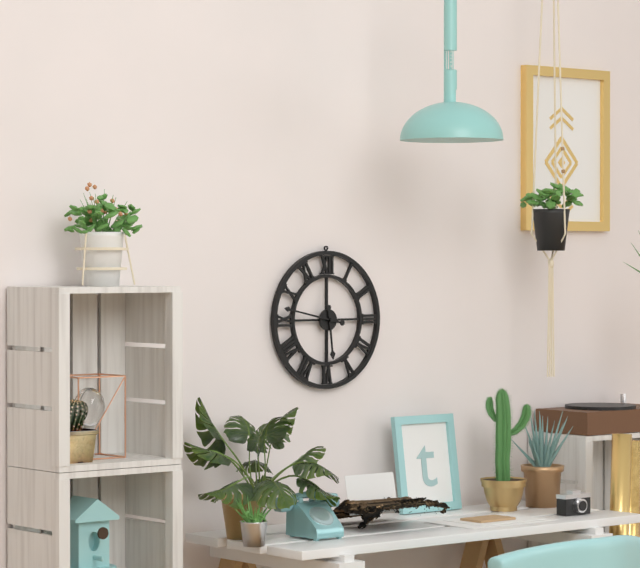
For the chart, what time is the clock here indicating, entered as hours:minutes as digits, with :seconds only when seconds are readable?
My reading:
5:47
